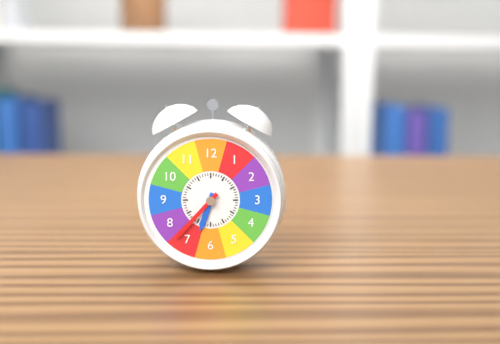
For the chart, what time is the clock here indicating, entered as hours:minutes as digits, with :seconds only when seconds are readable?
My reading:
6:37
